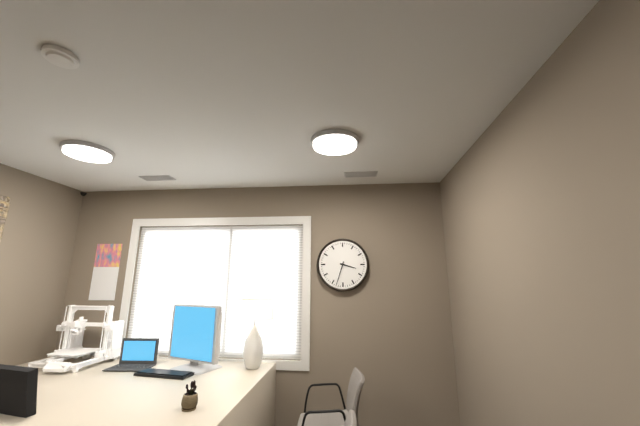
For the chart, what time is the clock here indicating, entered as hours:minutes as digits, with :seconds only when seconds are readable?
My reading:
3:33
